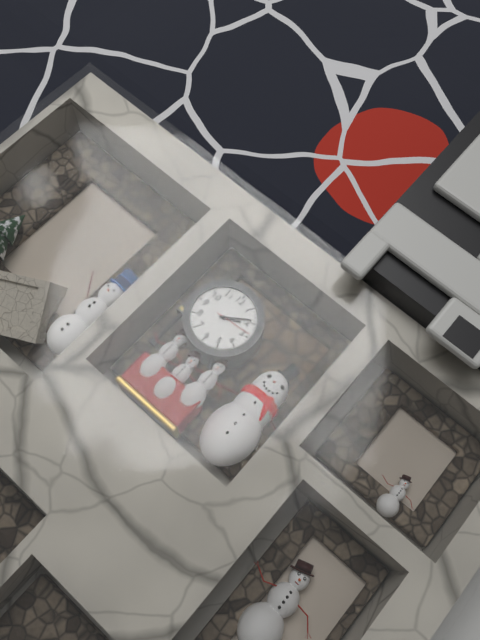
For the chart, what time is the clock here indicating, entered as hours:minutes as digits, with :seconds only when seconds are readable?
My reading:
2:09
